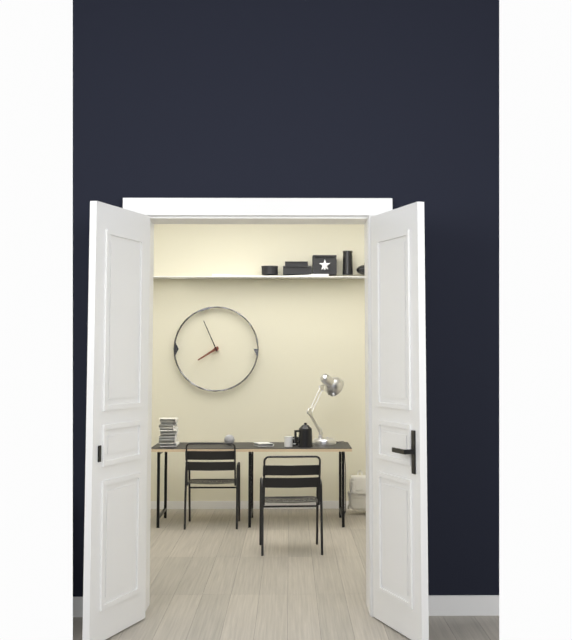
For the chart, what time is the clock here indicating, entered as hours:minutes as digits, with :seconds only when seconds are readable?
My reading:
7:56
